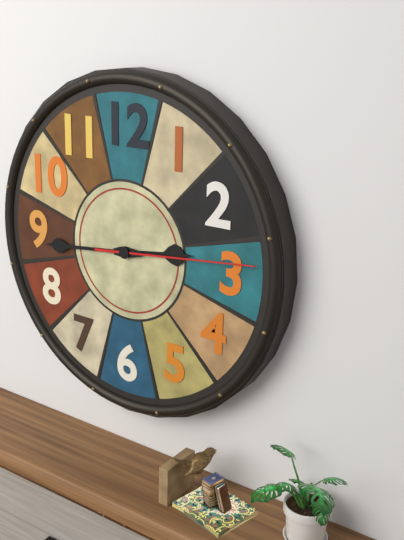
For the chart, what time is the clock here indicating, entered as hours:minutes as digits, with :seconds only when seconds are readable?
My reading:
2:44:14
